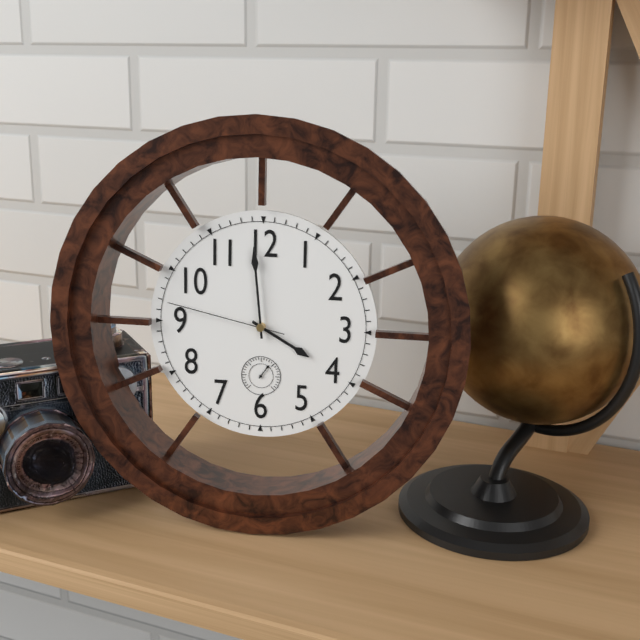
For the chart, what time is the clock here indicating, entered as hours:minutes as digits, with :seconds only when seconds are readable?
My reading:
3:59:47
